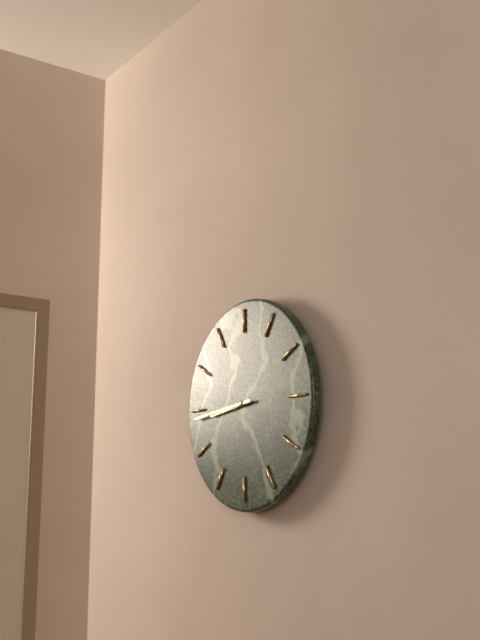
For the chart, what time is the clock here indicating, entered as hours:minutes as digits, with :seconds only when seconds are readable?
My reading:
8:44
